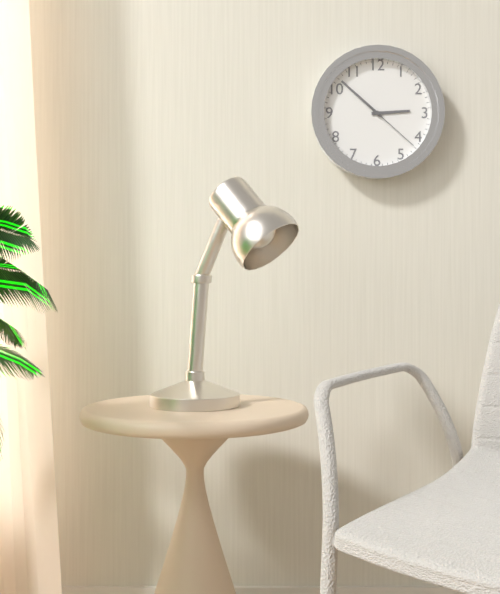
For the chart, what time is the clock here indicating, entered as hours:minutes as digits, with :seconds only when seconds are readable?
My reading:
2:52:22
